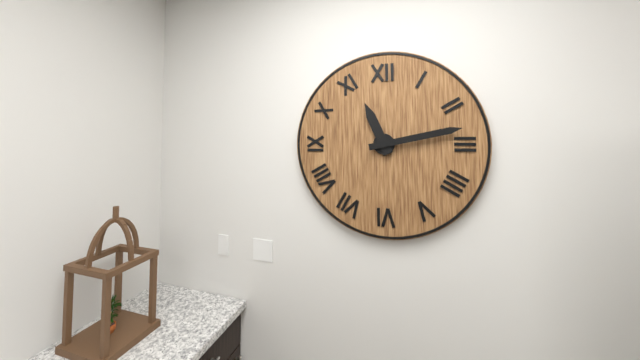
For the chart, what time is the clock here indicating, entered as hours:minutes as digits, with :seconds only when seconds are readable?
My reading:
11:13
